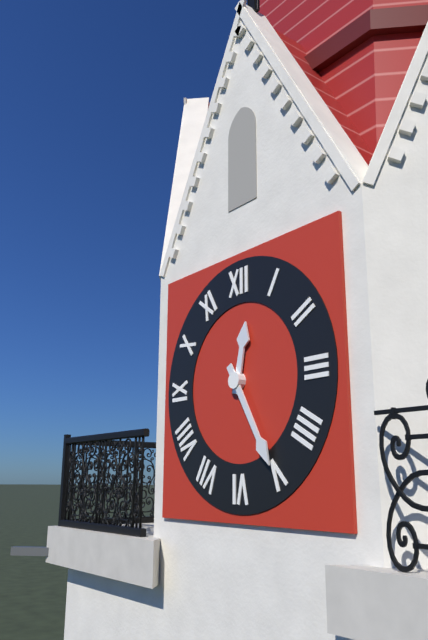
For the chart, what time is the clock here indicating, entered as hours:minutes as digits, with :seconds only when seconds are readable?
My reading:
12:25
